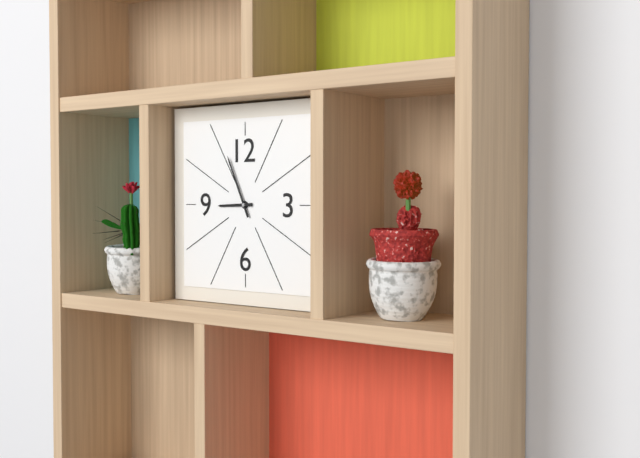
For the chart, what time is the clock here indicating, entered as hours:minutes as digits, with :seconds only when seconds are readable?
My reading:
8:56
